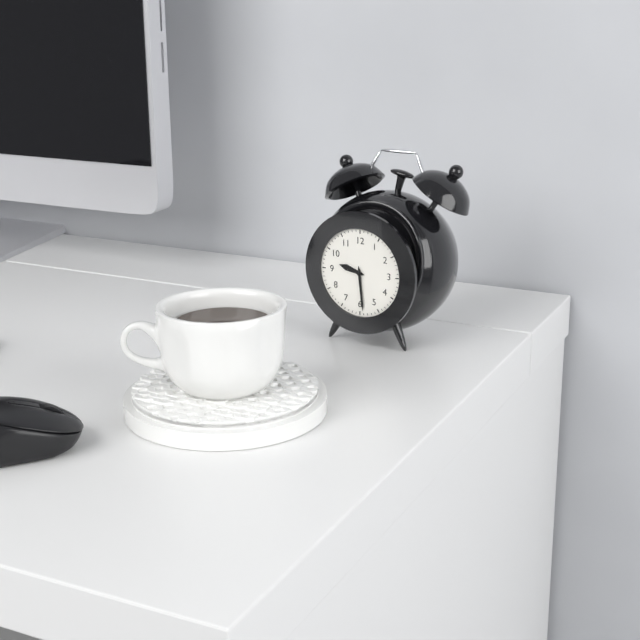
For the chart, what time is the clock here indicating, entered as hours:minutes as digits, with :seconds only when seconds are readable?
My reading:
9:29
